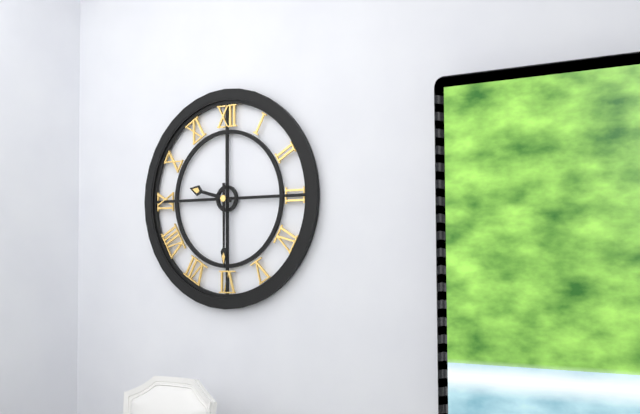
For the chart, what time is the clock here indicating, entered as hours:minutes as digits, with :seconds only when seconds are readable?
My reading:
9:30
